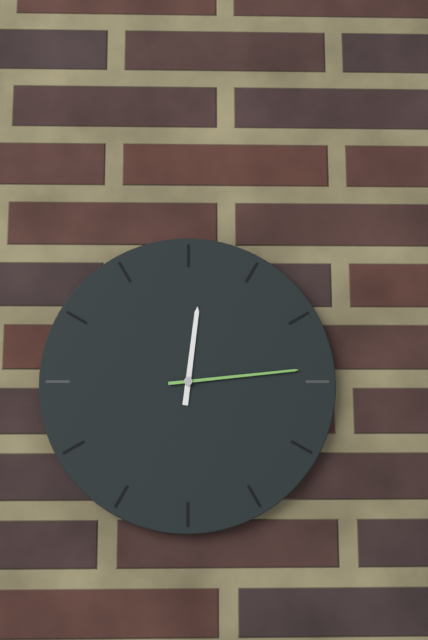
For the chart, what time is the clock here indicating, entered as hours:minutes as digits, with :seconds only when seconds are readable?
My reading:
12:14
